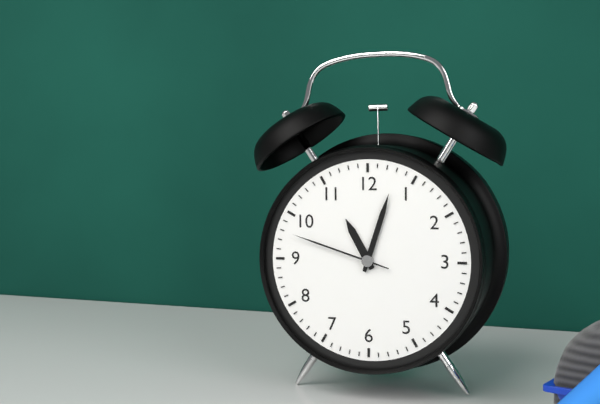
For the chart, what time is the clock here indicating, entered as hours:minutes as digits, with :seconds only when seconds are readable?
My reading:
11:03:48
